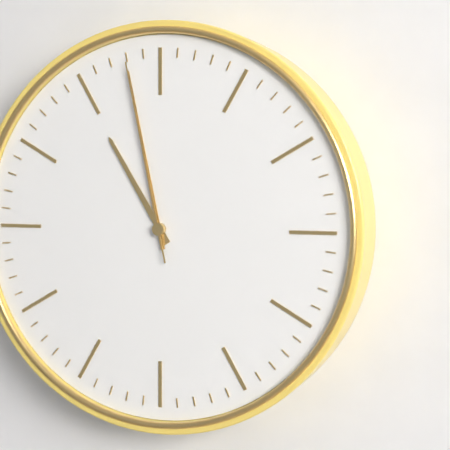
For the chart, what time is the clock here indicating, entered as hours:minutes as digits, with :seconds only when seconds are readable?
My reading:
10:58:58
